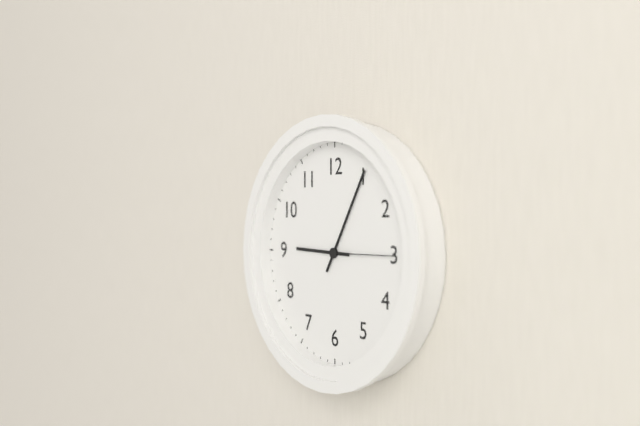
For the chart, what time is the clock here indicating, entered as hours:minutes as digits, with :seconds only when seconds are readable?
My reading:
9:05:15
